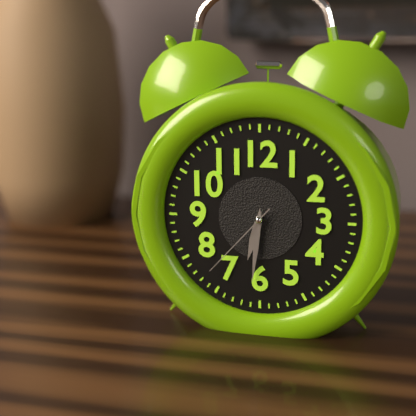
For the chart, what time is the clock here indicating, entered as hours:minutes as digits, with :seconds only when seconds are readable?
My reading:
6:31:37
